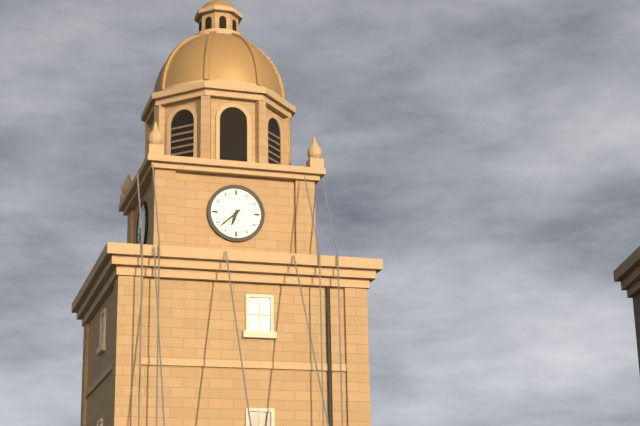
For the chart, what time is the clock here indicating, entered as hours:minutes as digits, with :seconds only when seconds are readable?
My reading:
6:38
